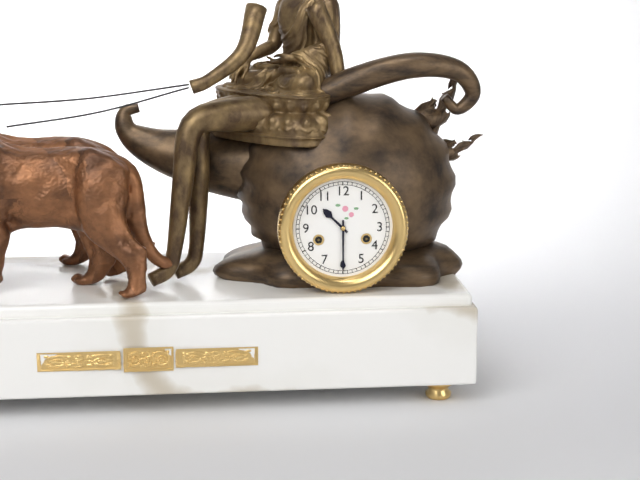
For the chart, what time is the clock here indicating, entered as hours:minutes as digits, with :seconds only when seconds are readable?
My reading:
10:30
